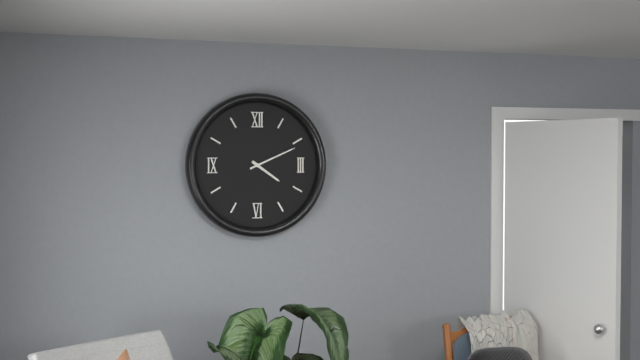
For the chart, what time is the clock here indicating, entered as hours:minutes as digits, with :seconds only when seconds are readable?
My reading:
4:11
